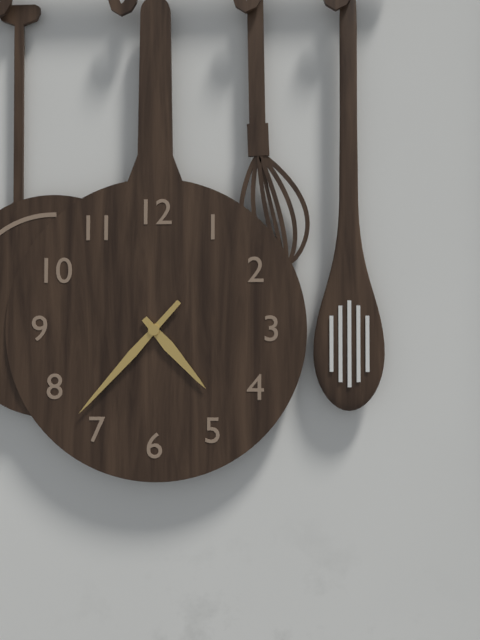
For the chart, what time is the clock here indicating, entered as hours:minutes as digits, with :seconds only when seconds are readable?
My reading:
4:37
